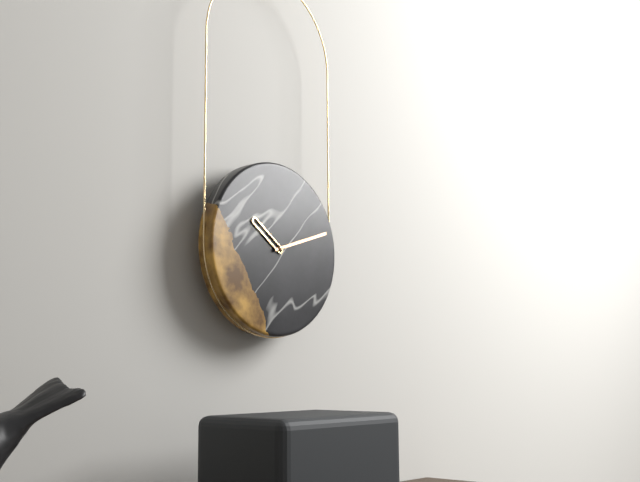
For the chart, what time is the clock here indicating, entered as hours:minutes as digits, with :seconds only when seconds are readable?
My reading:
10:12
